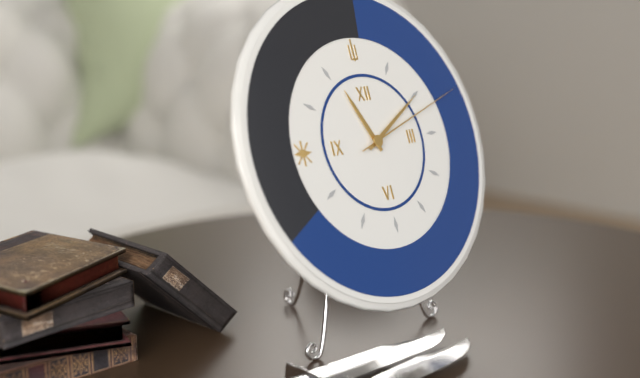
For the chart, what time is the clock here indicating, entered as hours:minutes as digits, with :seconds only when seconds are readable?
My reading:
11:10:12
